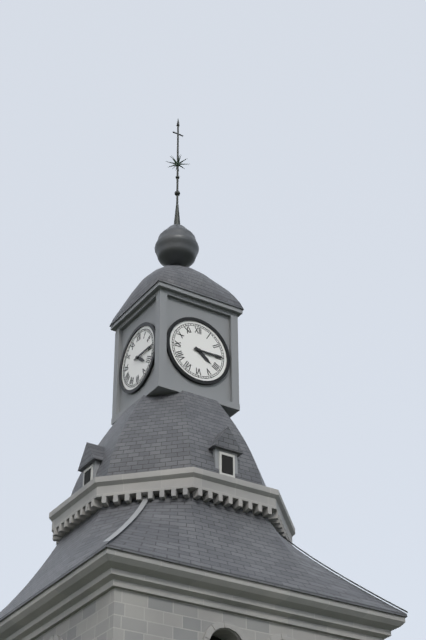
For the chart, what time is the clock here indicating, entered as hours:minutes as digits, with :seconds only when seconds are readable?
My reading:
4:15
